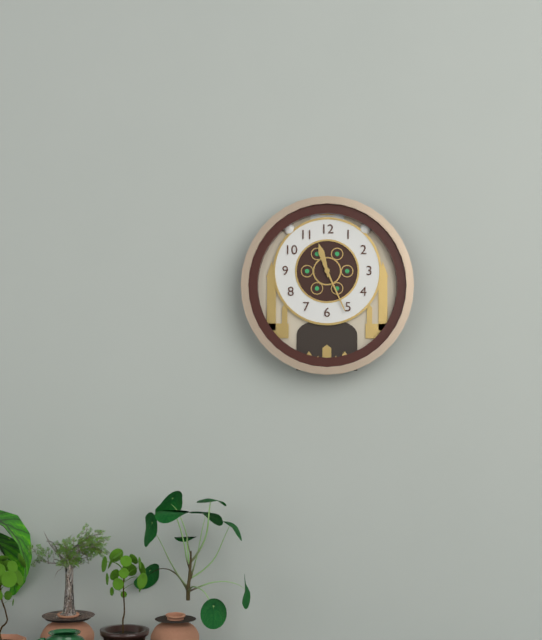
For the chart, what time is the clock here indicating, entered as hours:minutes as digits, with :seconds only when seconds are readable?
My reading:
11:26
